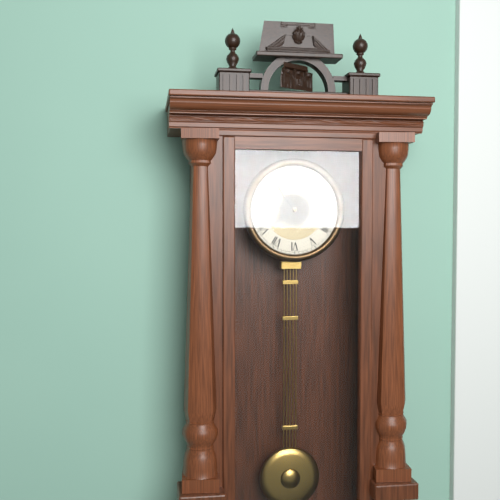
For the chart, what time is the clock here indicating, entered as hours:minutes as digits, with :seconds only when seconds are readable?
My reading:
7:54
